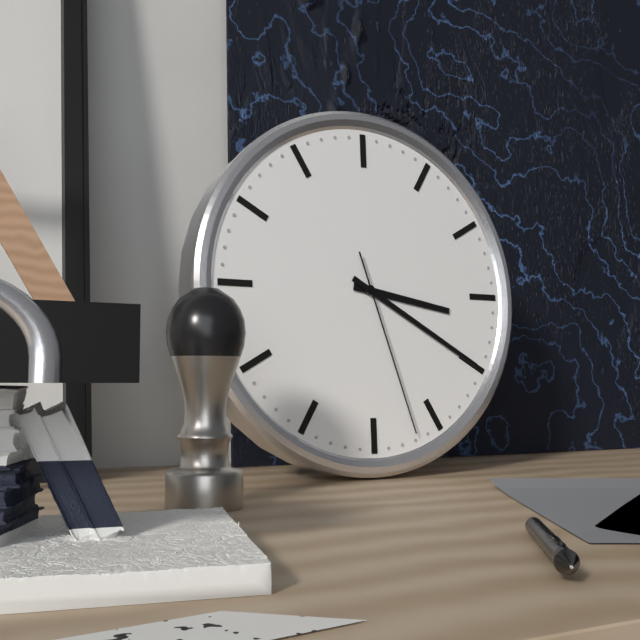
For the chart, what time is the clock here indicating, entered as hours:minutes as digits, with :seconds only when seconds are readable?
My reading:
3:20:27
